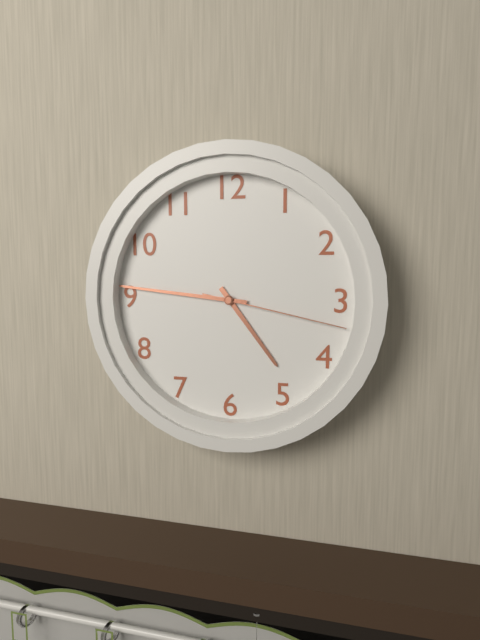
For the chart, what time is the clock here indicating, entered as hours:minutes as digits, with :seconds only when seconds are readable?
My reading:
4:46:17
